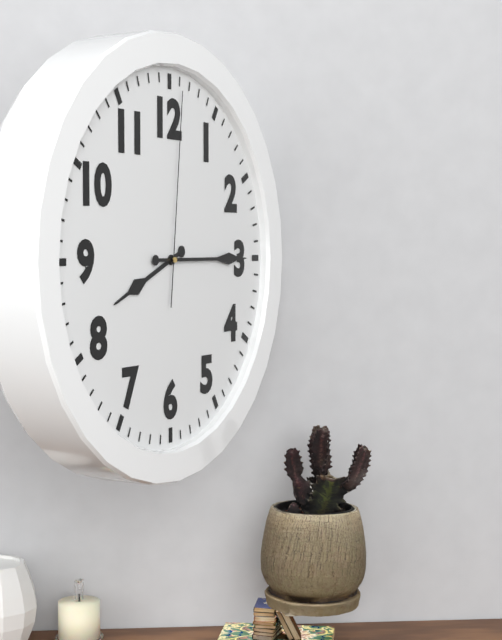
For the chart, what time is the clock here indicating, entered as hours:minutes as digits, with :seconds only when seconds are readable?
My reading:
8:15:01
